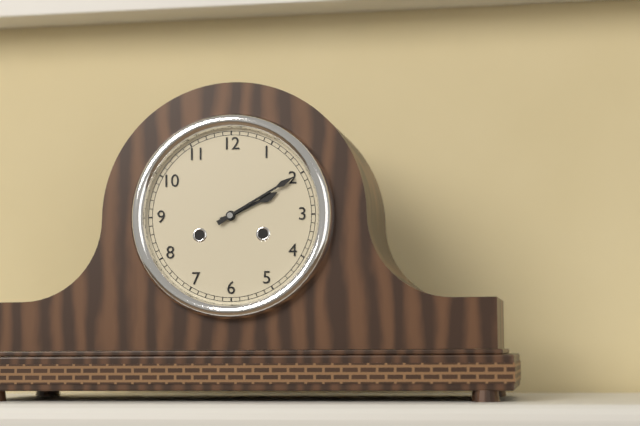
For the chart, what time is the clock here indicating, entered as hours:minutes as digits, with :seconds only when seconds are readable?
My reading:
2:10
